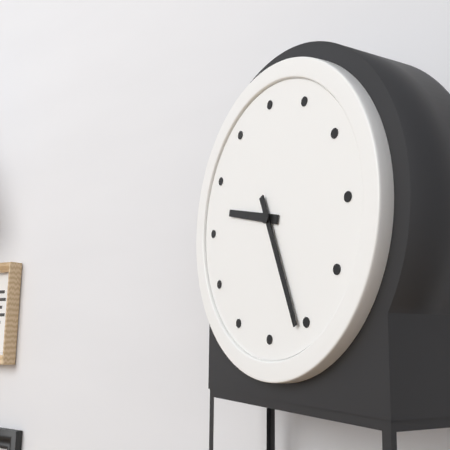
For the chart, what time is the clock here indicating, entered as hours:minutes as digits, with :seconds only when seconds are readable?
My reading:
9:26
